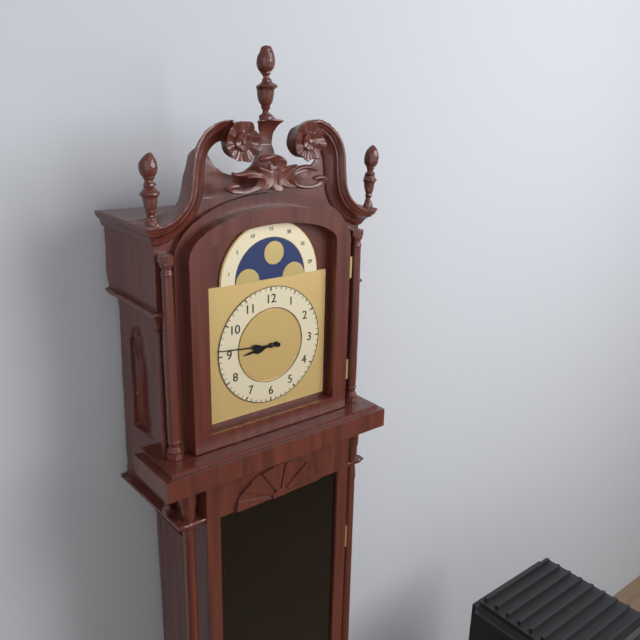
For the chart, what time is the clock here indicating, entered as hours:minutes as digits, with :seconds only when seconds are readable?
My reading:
8:46
